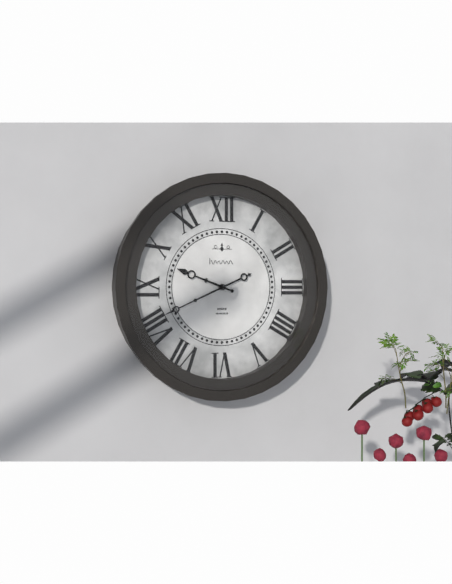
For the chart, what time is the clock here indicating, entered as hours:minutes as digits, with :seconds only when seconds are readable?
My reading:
9:41
